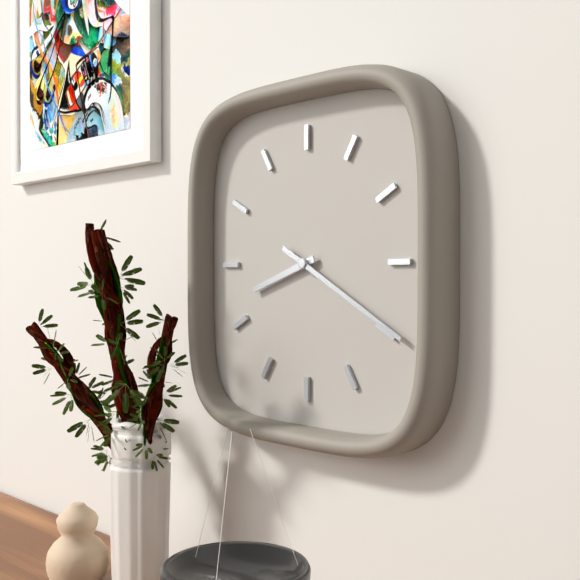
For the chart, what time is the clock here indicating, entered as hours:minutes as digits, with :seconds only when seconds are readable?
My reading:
8:20
